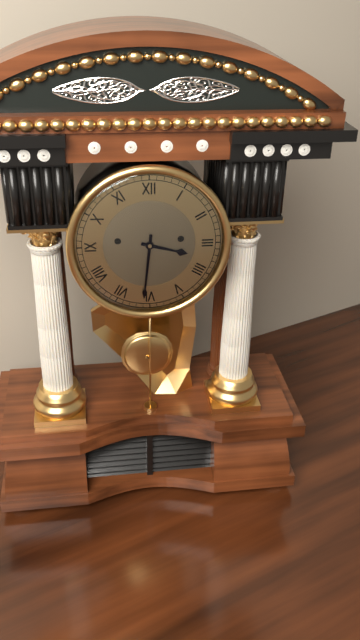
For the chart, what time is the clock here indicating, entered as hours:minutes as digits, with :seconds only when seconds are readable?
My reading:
3:31
